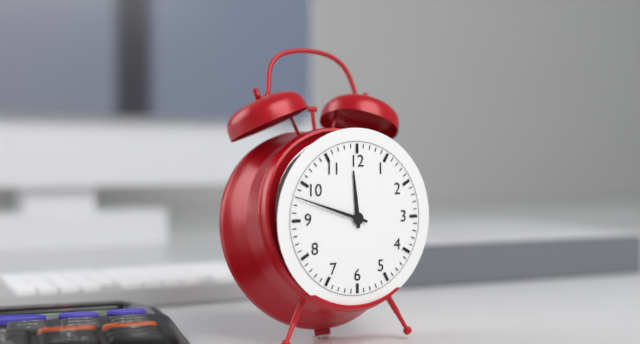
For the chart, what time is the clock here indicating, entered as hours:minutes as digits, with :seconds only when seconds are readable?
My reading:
11:48
